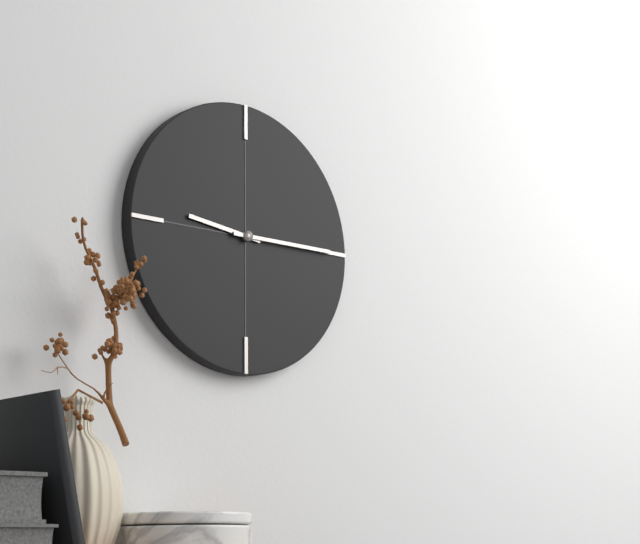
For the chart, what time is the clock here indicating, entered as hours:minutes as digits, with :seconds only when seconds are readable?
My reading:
9:15
